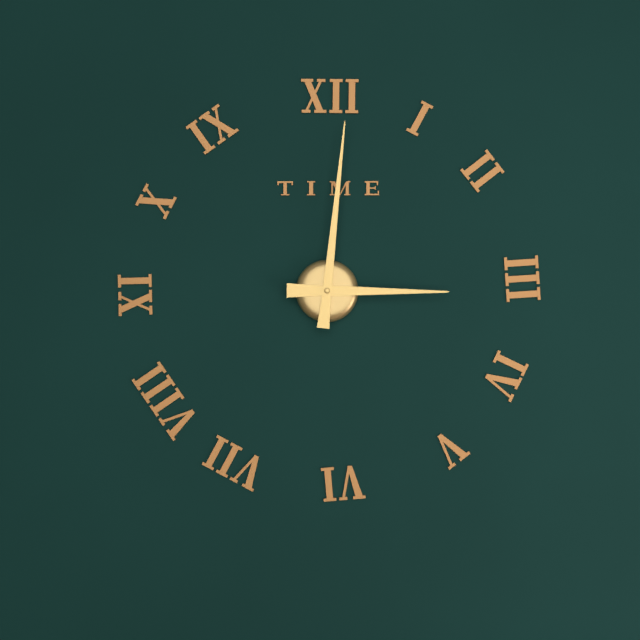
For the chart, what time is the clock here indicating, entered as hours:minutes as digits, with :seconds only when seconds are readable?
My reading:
3:01
